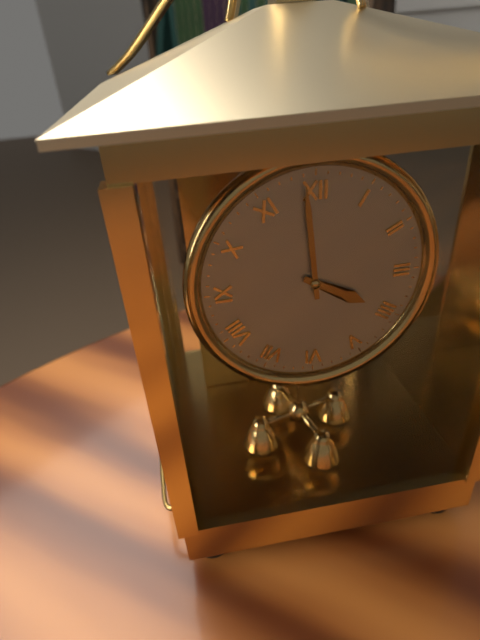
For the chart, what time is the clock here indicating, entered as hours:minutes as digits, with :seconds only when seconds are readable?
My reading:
3:59
